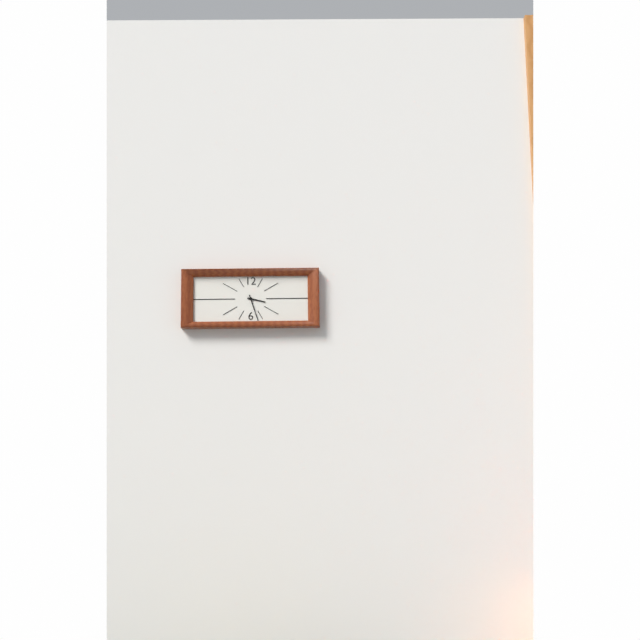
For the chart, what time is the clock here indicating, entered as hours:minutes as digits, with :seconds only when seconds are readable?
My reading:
3:27
